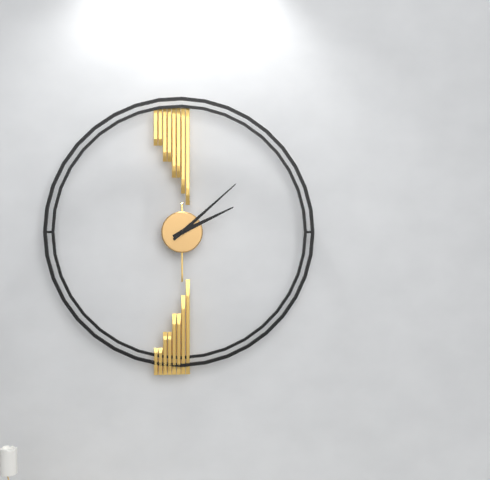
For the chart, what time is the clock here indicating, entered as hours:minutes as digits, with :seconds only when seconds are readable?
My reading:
2:08
